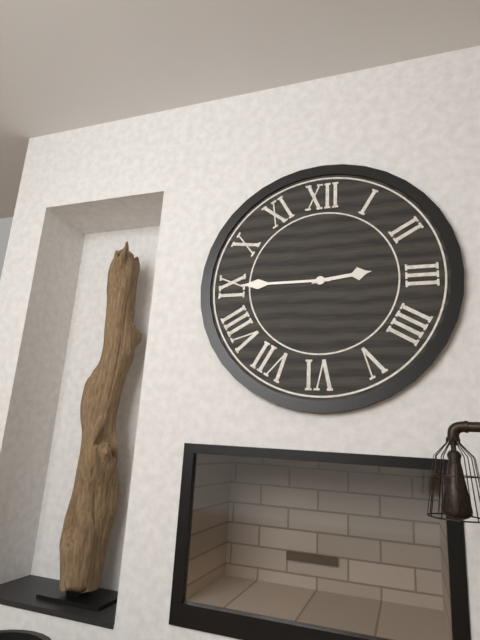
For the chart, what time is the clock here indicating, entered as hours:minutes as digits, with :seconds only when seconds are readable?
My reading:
2:45
